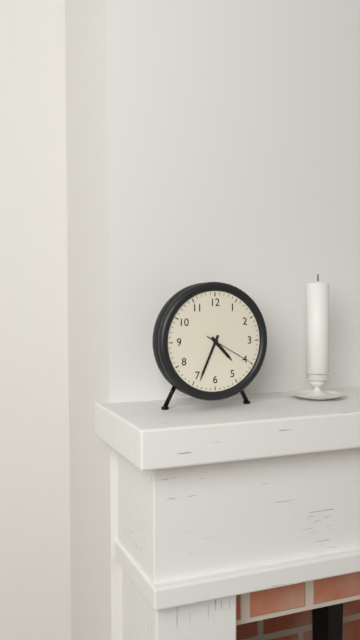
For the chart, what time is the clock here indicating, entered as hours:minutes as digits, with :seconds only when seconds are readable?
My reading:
4:34
